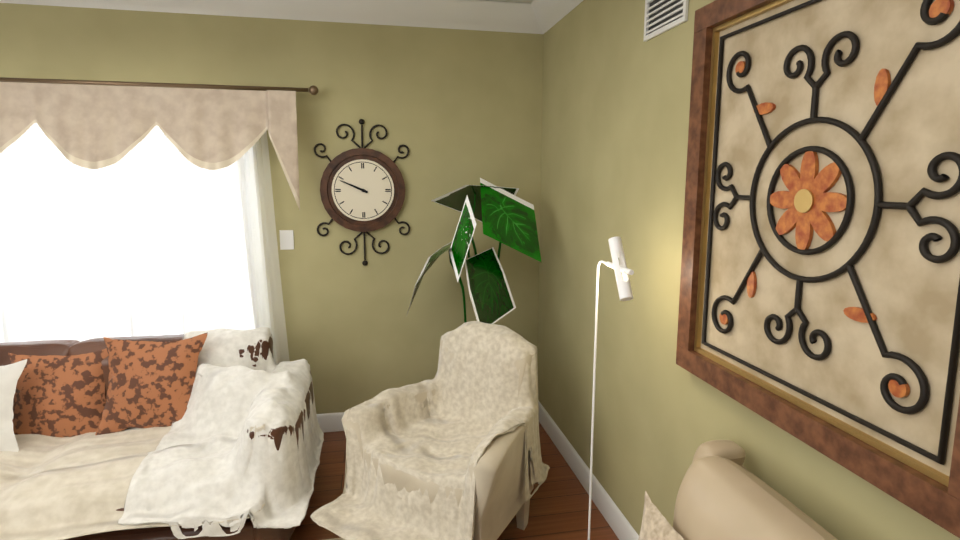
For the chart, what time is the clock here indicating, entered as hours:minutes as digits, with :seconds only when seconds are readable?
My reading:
9:49
